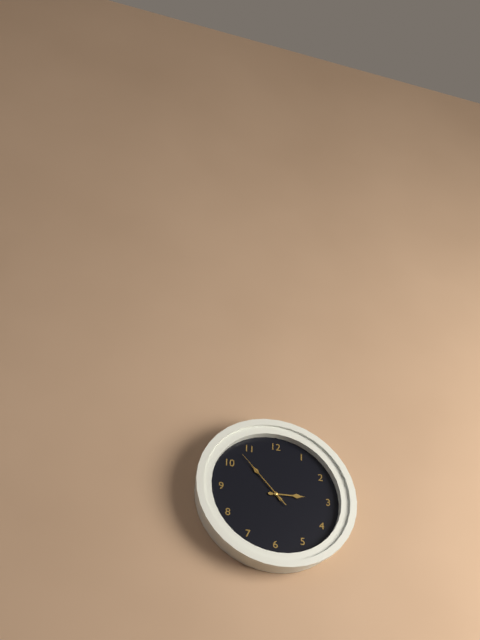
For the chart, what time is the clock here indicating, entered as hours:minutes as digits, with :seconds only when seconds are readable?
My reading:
2:53:53
